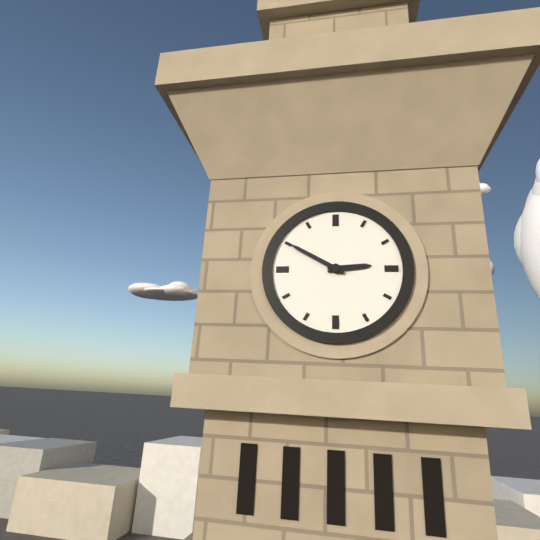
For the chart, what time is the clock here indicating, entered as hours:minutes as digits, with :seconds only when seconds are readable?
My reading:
2:50
